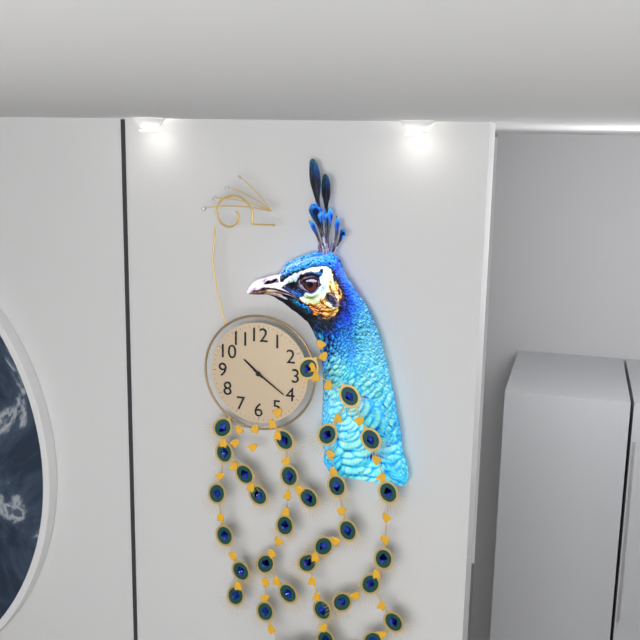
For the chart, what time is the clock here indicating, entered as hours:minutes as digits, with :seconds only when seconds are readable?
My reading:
10:21
